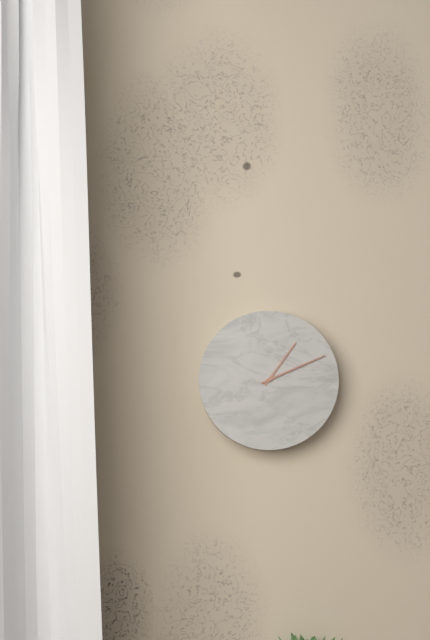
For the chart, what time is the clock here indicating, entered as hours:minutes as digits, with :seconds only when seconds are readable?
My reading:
1:11
